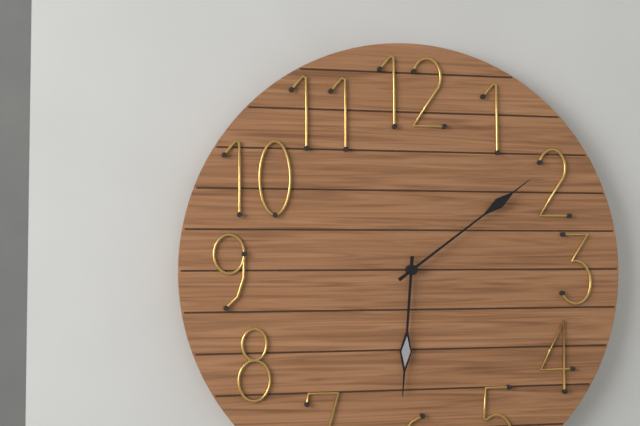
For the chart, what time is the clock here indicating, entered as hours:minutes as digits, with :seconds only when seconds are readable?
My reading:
6:09
